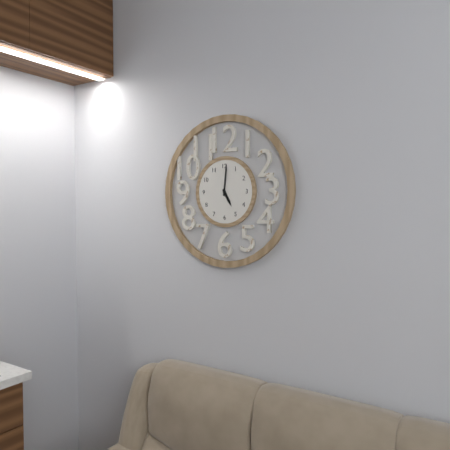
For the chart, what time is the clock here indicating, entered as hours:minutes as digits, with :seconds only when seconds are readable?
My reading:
5:01
